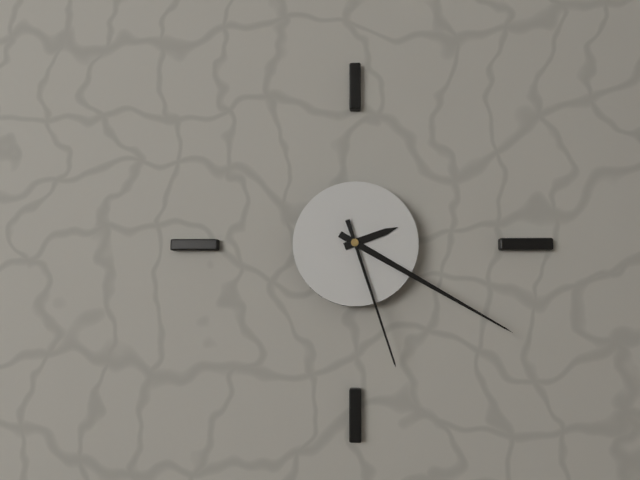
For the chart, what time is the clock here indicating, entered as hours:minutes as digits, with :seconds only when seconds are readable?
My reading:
2:20:27
